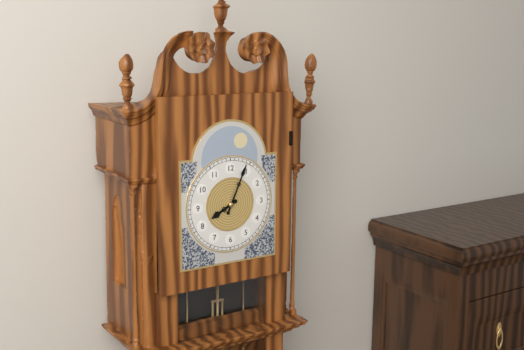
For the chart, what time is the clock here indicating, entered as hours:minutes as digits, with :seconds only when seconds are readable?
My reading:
8:04
